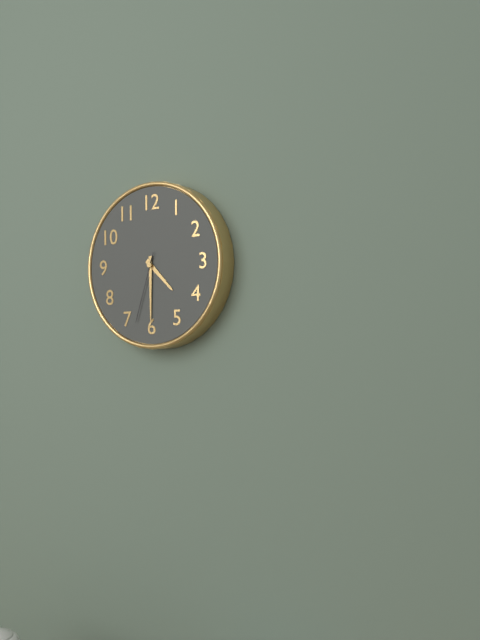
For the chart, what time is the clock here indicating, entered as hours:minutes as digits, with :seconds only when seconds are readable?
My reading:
4:30:33
